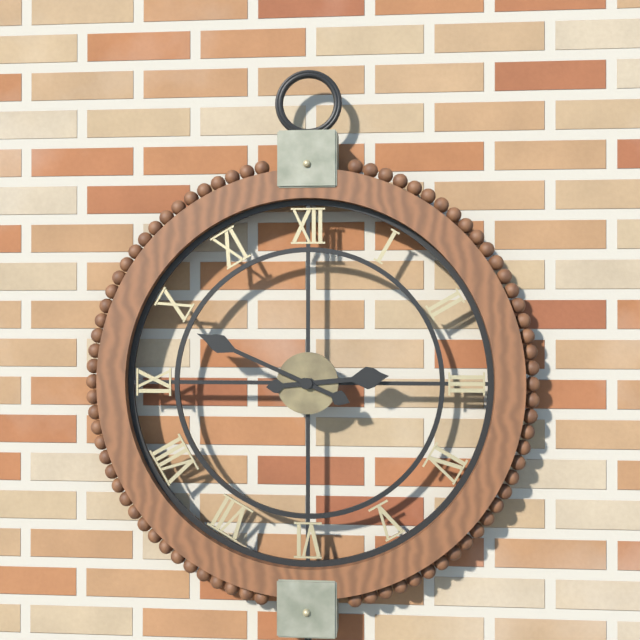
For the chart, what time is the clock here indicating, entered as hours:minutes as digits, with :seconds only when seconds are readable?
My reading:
2:49
